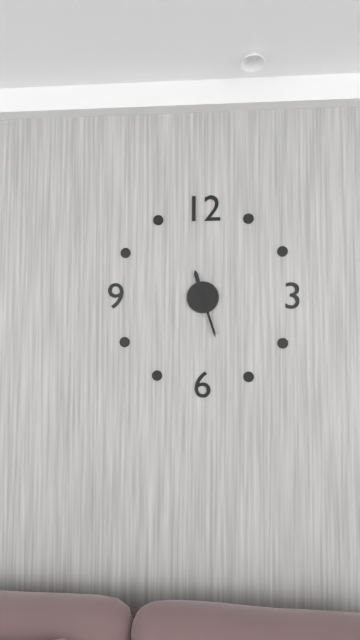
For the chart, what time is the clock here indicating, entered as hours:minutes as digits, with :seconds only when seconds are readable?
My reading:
11:27
